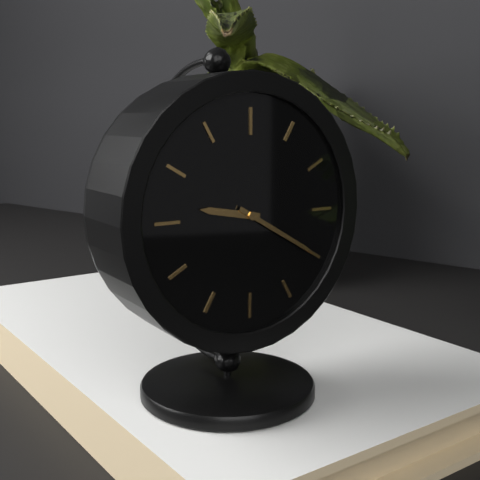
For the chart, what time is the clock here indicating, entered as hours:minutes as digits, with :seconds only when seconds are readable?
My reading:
9:20
